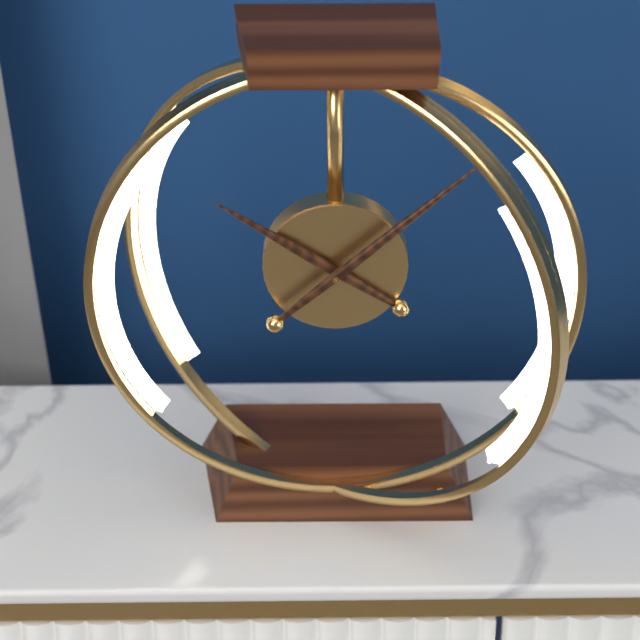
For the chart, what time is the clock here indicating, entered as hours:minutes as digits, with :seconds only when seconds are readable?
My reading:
10:08
